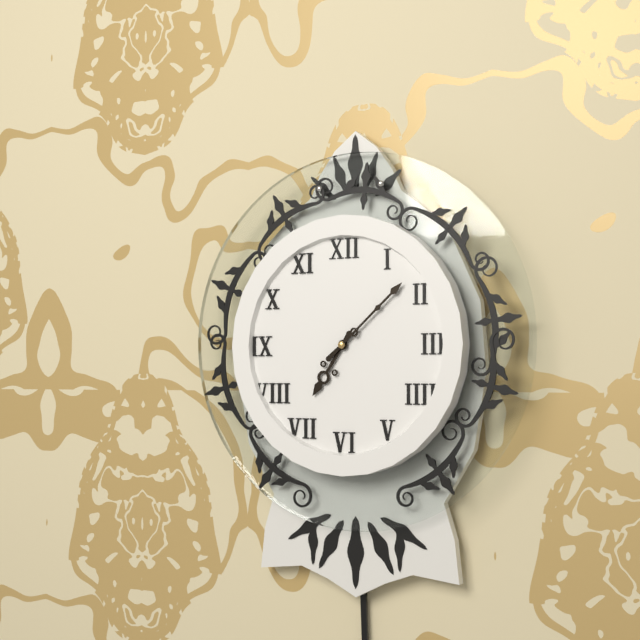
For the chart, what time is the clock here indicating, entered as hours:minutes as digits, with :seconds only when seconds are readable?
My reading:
7:08
